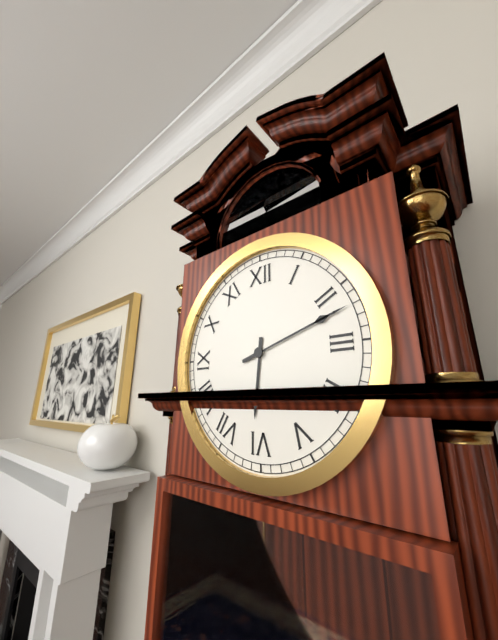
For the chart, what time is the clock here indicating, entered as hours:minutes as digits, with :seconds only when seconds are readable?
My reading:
6:12
